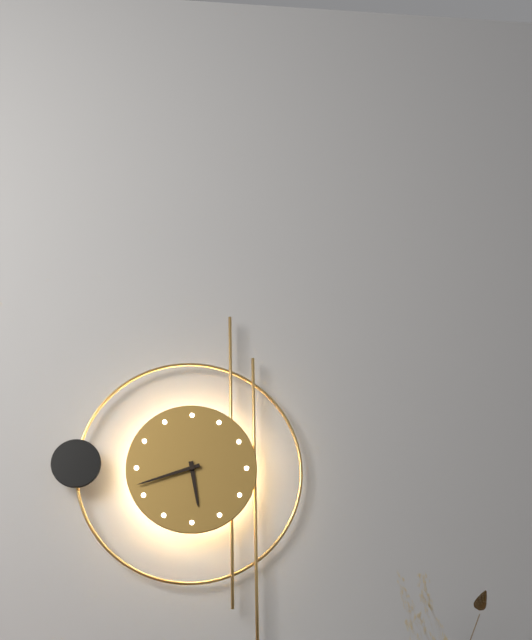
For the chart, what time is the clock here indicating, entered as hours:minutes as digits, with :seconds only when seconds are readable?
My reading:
5:42
